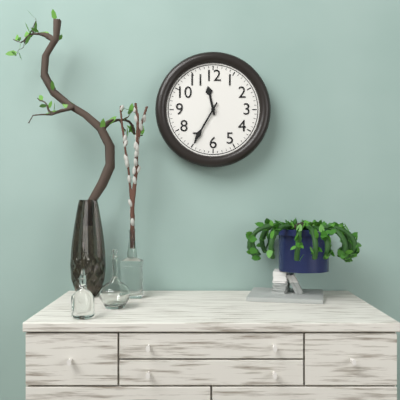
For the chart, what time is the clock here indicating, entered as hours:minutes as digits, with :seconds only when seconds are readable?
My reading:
11:35
